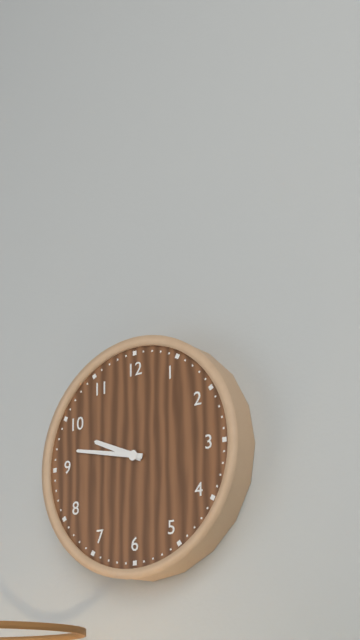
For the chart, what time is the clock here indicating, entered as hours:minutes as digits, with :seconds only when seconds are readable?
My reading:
9:47
